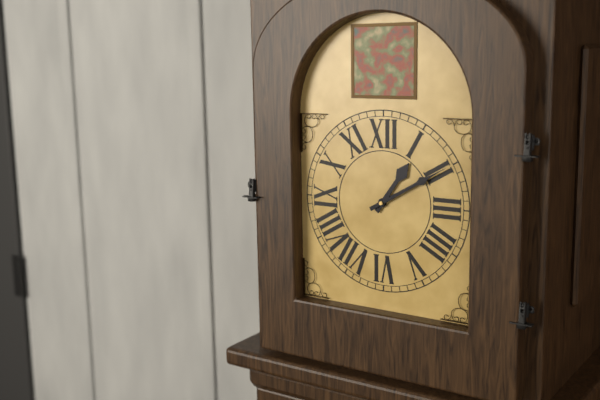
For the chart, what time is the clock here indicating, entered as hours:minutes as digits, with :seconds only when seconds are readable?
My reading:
1:10
